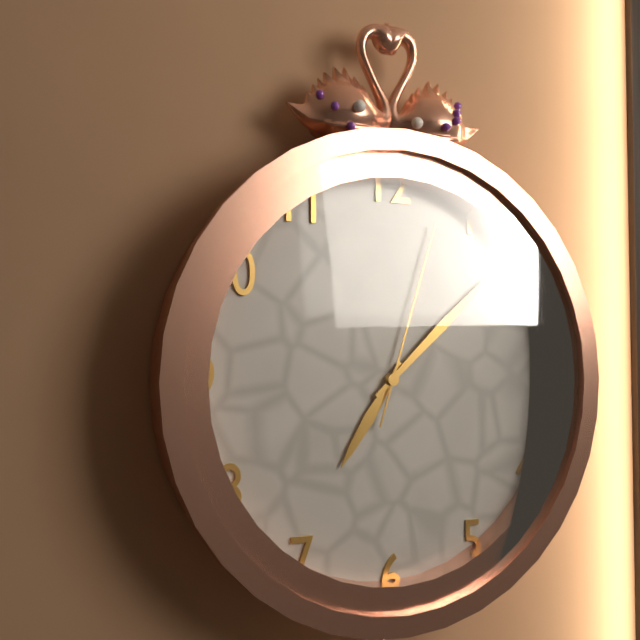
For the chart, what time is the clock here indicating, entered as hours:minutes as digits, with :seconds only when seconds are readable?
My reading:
7:08:03
